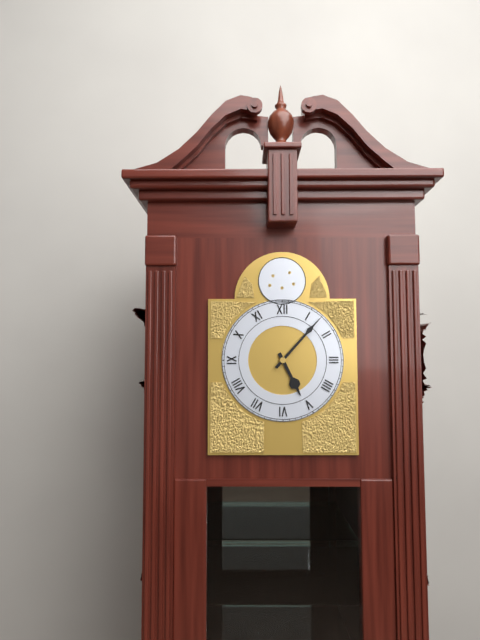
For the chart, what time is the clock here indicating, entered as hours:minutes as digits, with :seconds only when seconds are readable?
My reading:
5:07
